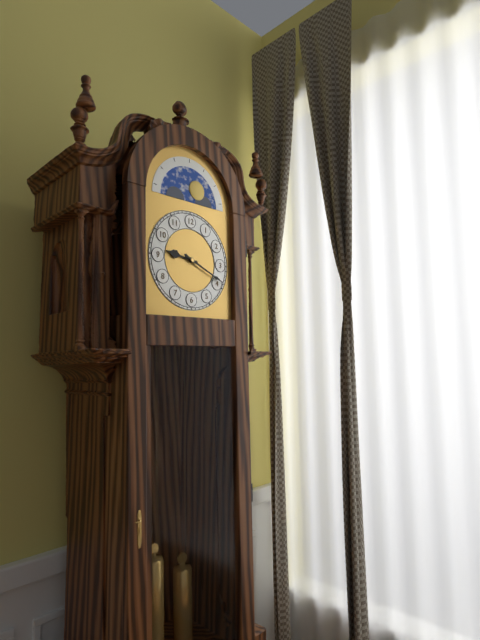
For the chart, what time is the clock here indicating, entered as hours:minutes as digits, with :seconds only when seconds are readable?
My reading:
9:19
